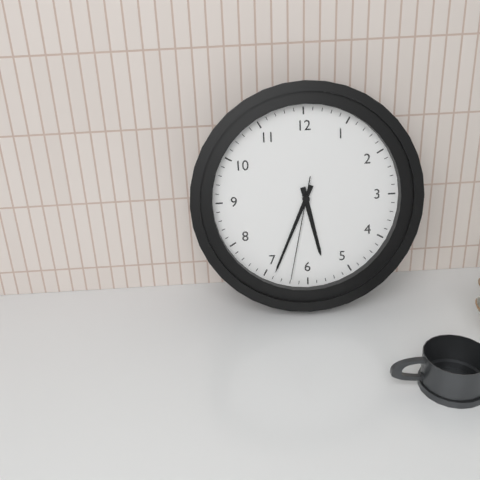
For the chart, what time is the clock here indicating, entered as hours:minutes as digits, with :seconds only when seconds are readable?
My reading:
5:34:32
